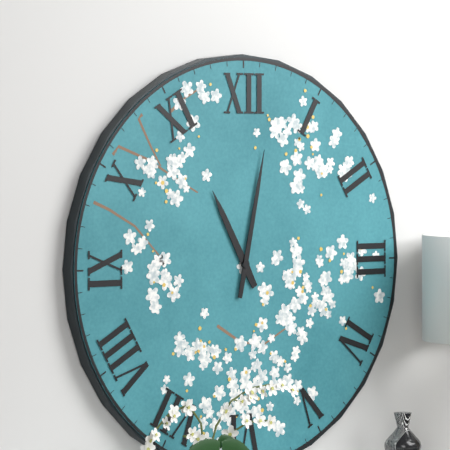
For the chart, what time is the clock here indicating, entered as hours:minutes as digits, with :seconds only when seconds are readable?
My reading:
11:02
